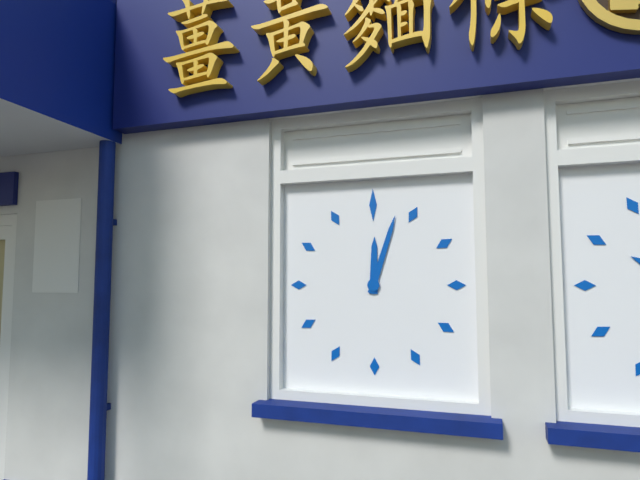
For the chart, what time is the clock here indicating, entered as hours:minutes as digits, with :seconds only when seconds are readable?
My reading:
12:03
